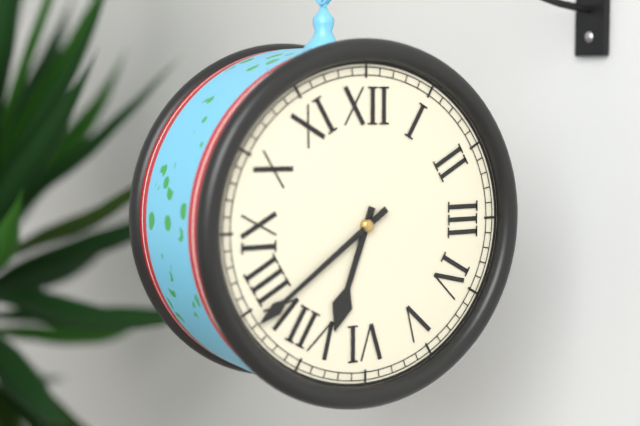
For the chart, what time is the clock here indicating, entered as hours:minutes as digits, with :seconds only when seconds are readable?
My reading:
6:39
